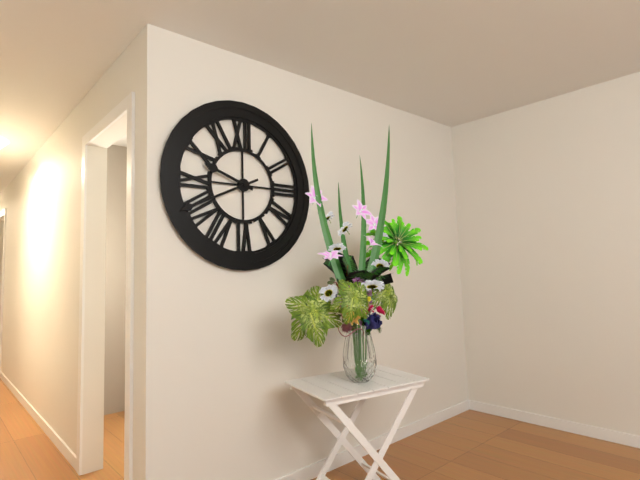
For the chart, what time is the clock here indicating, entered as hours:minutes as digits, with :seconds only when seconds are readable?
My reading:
9:41
